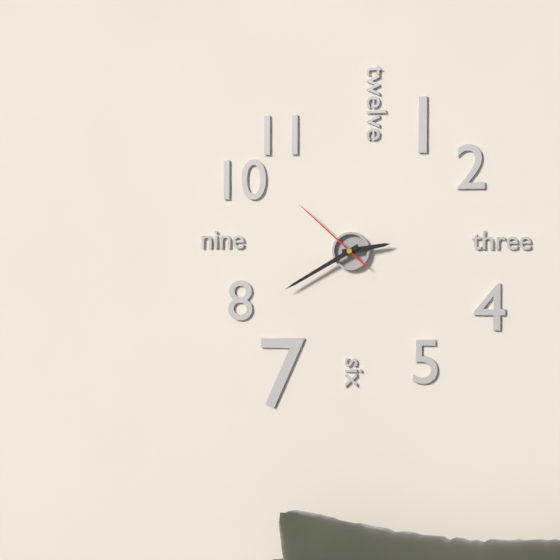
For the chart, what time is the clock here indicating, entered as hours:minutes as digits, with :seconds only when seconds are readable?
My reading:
2:40:52
